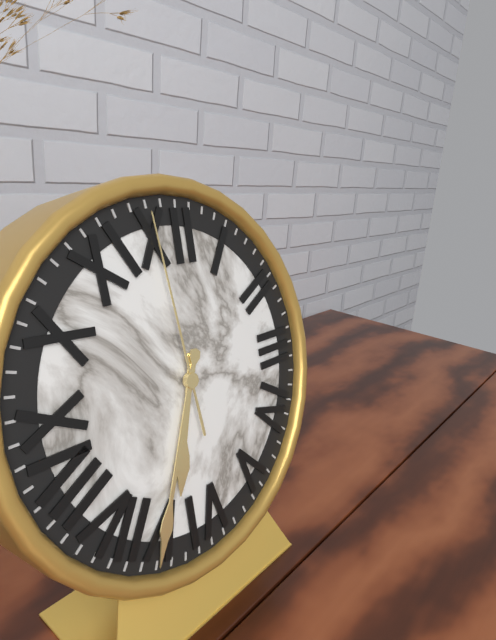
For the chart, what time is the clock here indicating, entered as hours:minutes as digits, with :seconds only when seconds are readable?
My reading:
6:34:59
